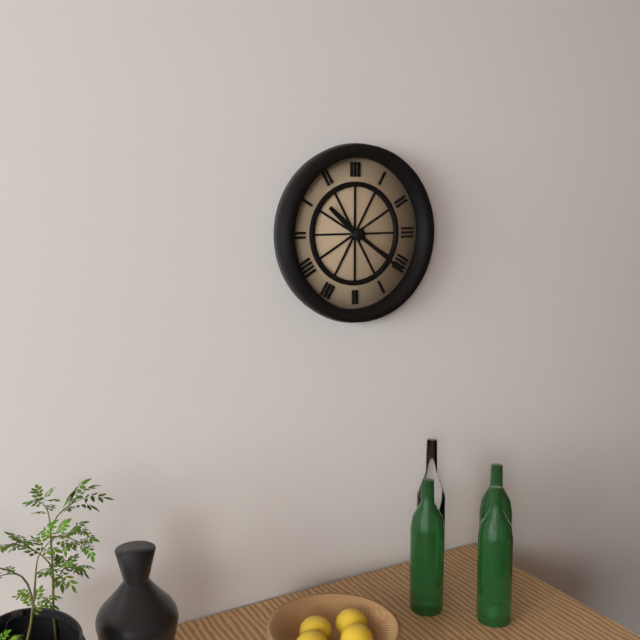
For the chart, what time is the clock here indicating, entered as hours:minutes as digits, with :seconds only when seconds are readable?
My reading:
10:21
